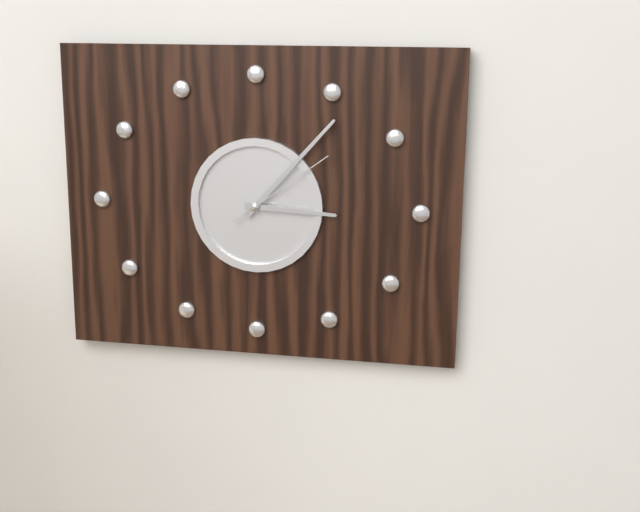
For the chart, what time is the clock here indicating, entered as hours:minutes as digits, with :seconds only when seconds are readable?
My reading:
3:07:09
